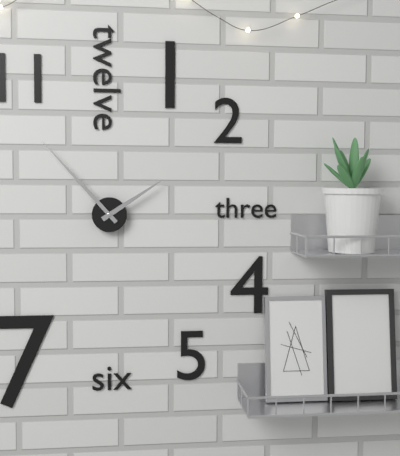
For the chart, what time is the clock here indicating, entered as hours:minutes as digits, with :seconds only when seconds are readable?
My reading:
1:53
